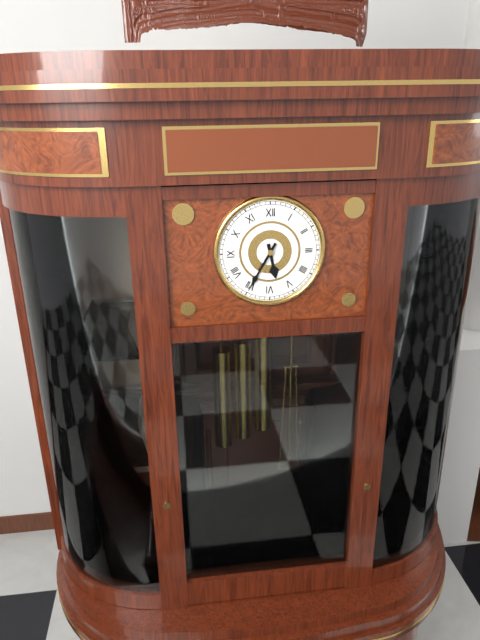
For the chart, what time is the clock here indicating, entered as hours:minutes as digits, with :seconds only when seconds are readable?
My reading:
5:35
